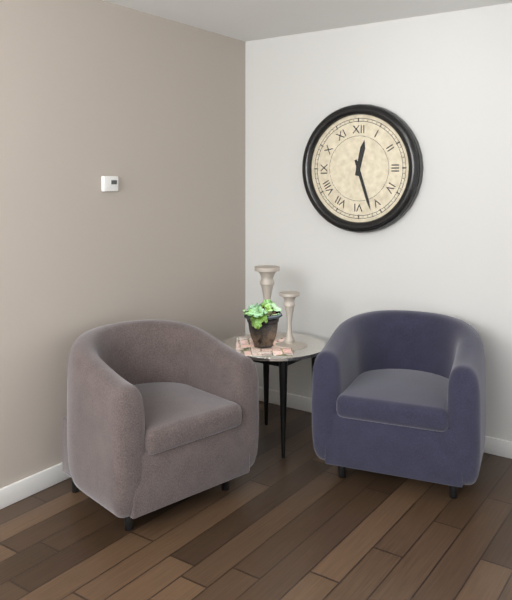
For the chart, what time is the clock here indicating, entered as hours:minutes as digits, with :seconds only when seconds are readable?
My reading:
12:27
